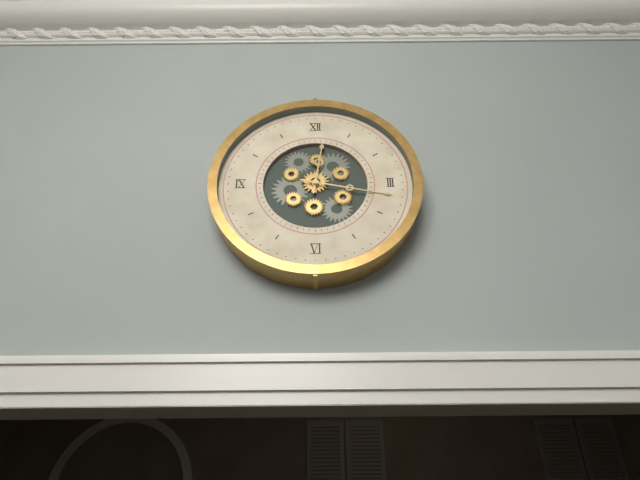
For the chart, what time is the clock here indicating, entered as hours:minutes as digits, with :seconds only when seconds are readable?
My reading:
12:17
